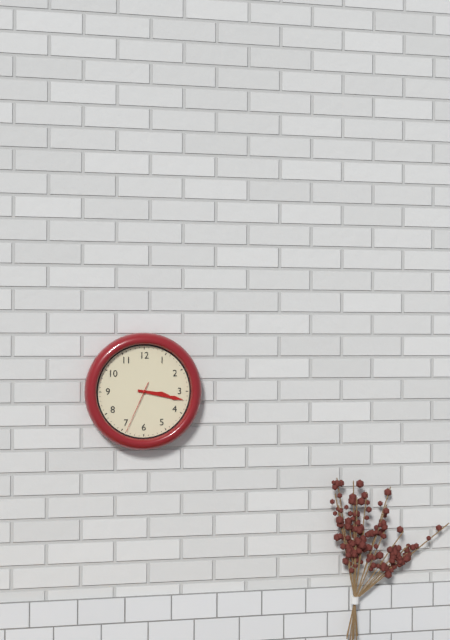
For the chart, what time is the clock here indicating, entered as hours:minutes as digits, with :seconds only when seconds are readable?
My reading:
3:17:34
